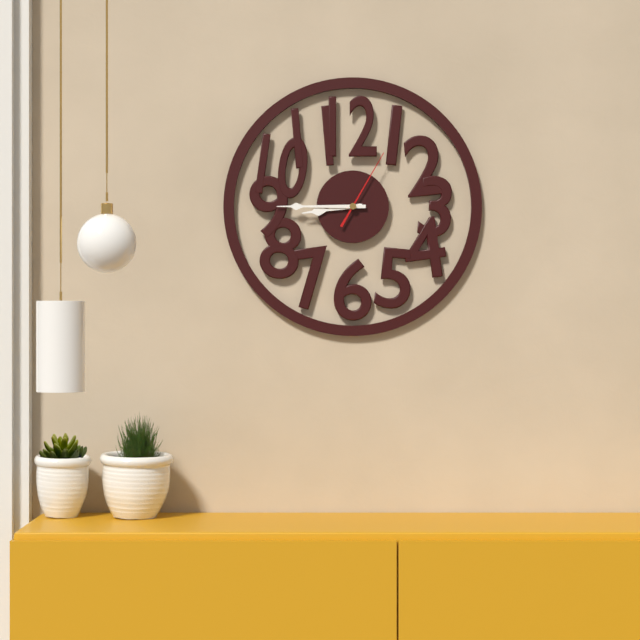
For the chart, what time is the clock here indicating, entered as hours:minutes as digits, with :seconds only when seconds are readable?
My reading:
8:45:05
